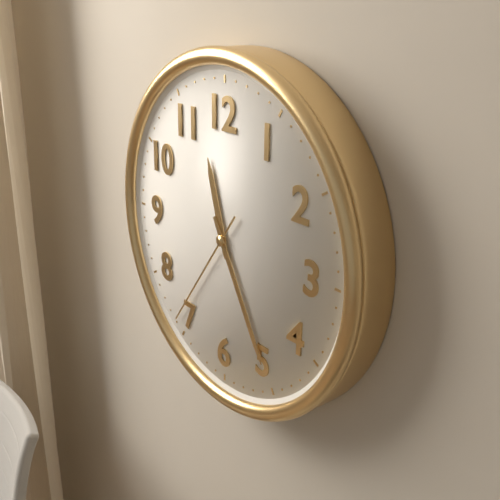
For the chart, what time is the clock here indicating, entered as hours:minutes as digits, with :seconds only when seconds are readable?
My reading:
11:25:36
